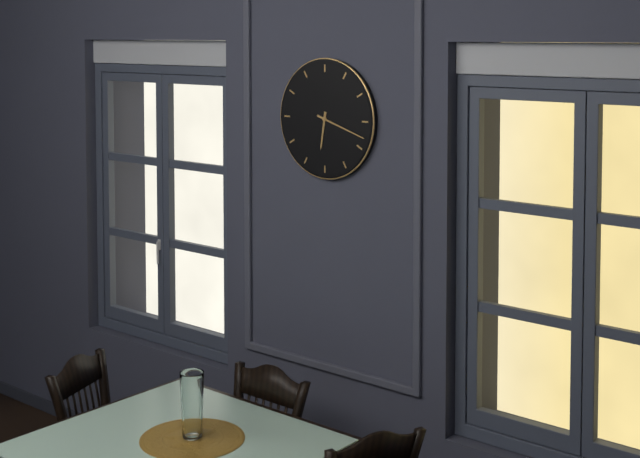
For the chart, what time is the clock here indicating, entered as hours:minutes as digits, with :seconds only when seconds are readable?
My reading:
6:18
